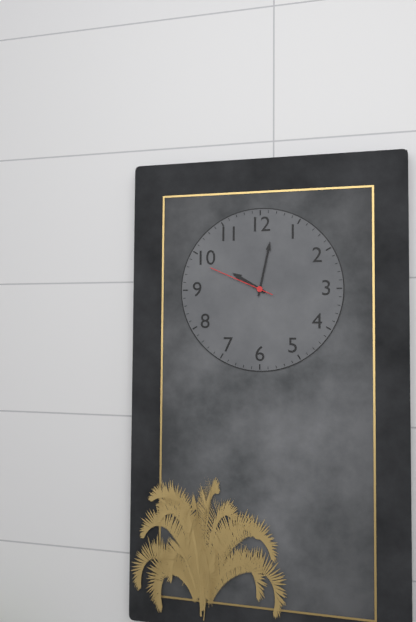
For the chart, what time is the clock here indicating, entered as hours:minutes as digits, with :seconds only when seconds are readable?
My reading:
10:02:49
